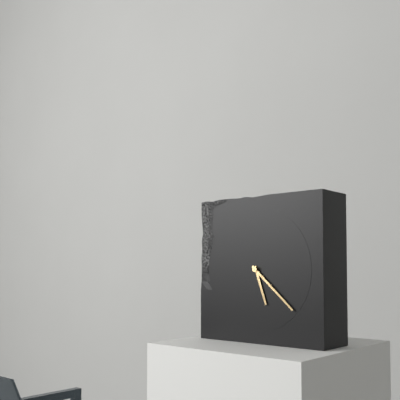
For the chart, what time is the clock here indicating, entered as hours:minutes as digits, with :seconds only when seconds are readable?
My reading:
5:22
